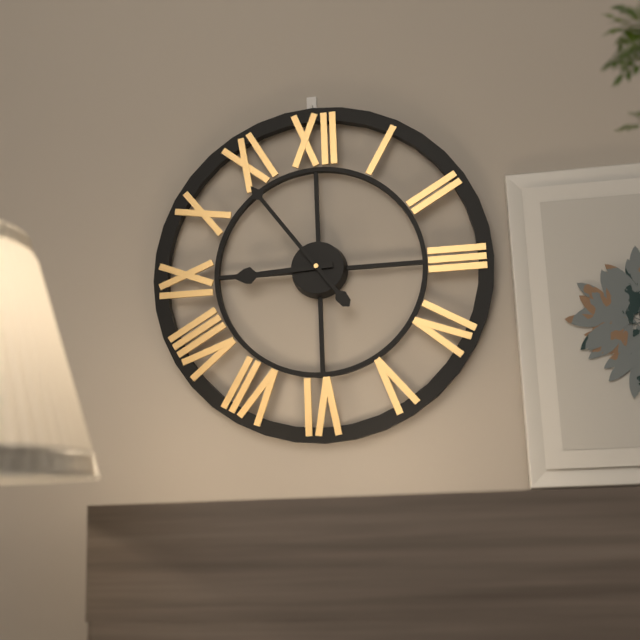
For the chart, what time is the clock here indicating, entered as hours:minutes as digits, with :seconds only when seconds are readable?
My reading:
8:54
